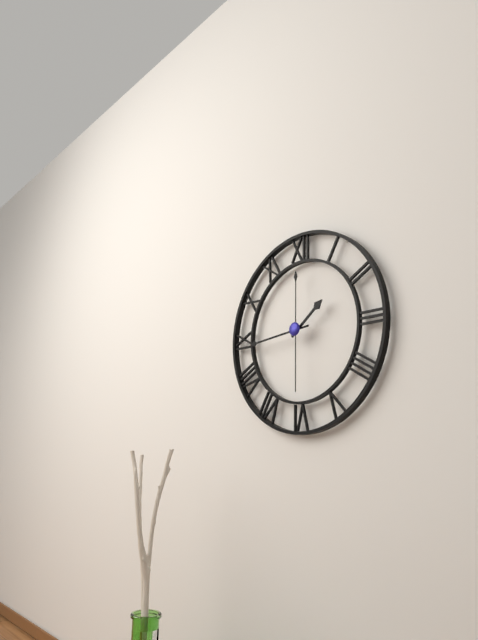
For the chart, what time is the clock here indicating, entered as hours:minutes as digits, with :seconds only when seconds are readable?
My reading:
1:44:30
